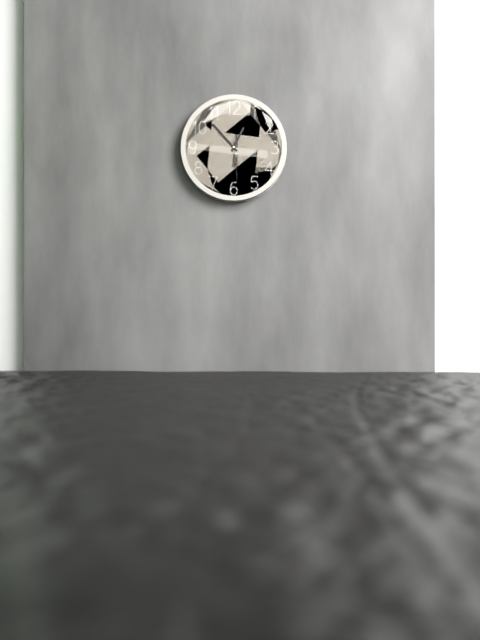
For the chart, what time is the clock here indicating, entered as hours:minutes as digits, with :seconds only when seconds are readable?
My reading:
12:53
